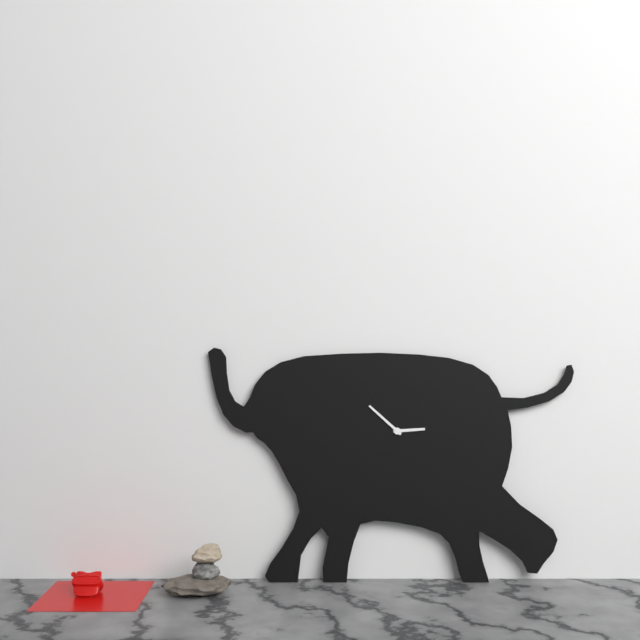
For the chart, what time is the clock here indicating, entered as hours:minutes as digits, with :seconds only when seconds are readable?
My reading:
2:52
